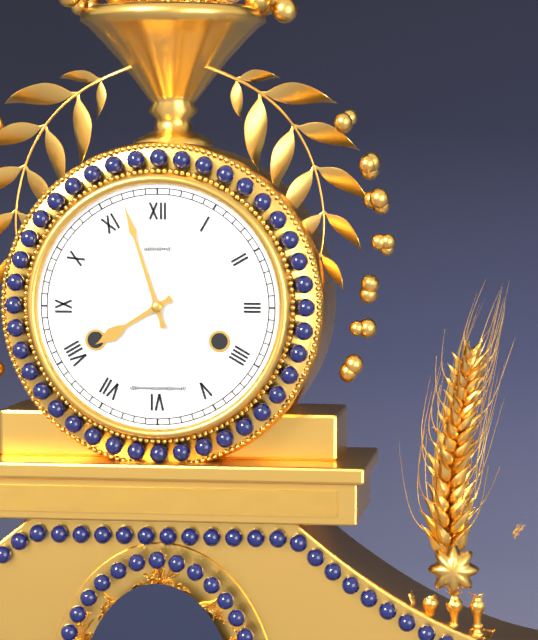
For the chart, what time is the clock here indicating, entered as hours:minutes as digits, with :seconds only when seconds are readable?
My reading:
7:57
